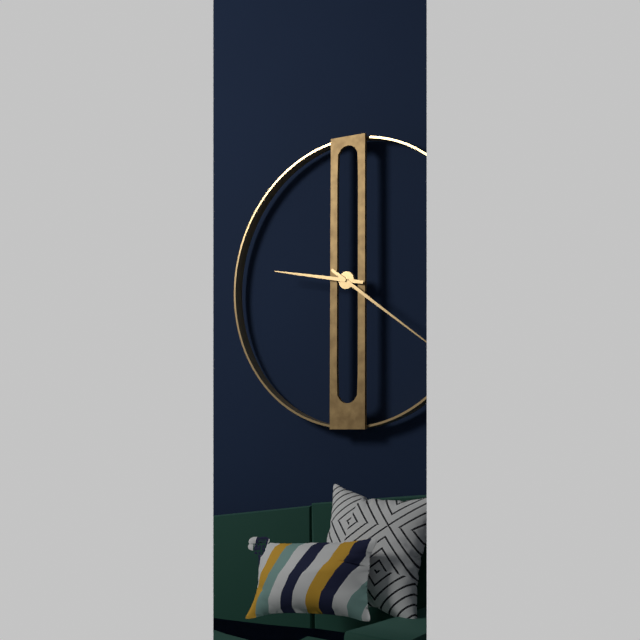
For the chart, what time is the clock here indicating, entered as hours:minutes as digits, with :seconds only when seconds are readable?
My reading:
9:21
